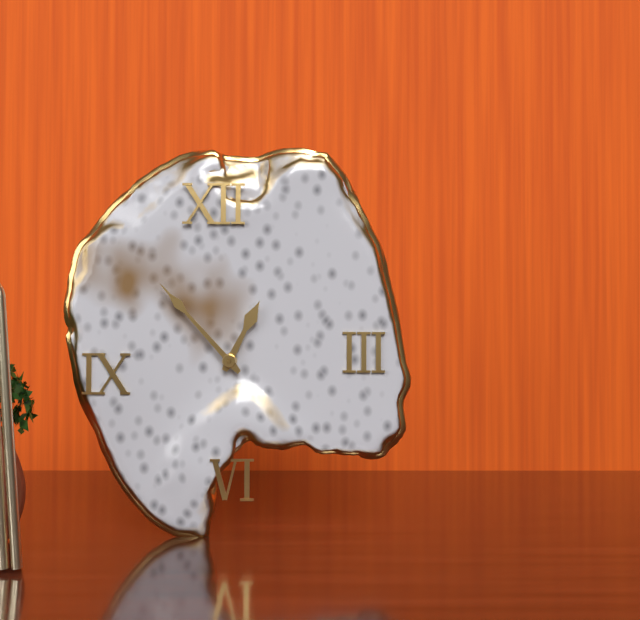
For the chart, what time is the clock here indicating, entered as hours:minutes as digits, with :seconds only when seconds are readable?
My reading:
12:53
